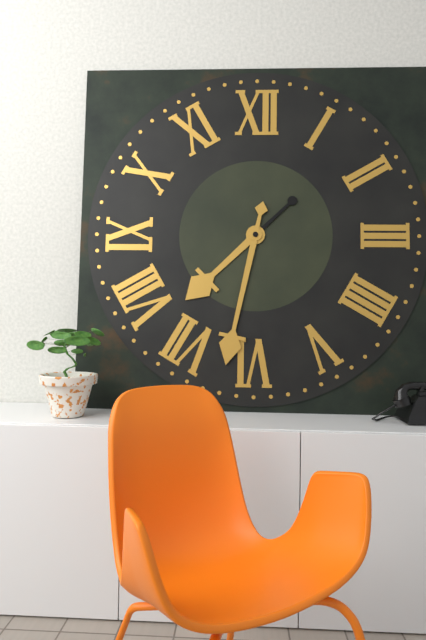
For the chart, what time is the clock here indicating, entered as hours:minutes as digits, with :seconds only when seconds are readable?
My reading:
7:32
